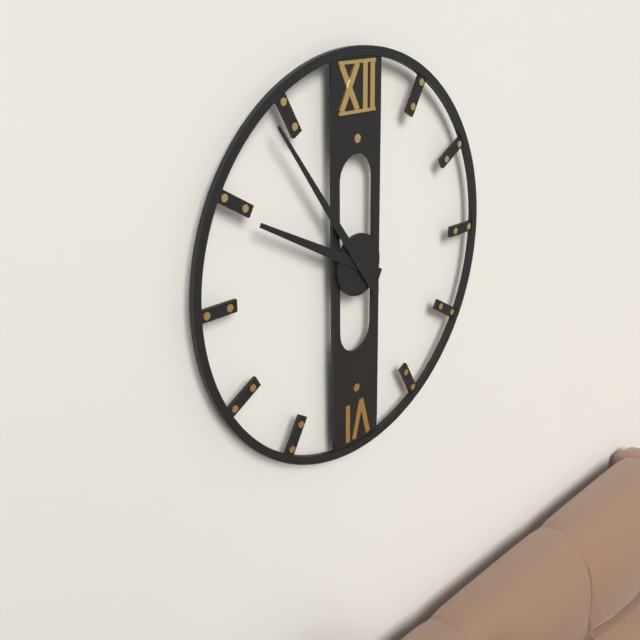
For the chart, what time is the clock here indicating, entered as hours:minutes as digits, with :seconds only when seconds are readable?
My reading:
9:54
